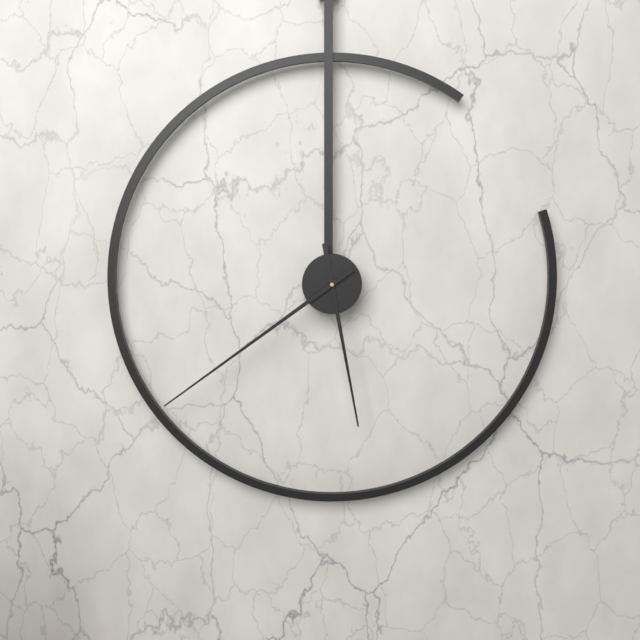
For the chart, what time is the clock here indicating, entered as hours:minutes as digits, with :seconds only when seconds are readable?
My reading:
5:39
